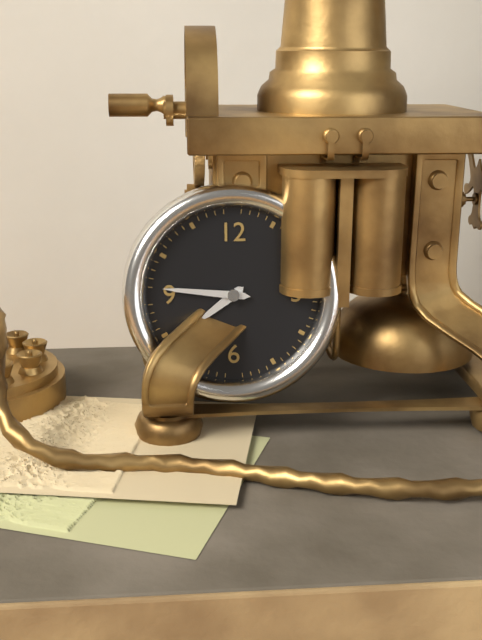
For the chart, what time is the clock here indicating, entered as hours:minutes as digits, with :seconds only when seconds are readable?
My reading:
7:46
